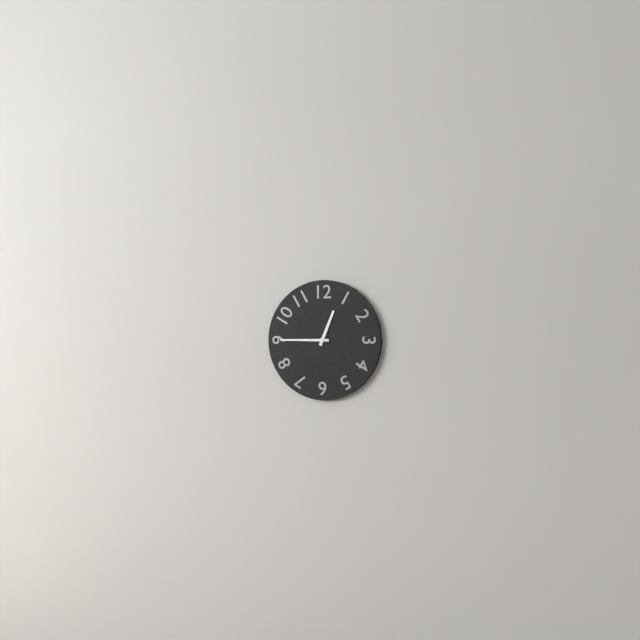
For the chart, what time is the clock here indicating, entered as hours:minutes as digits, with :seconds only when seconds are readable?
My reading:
12:45
